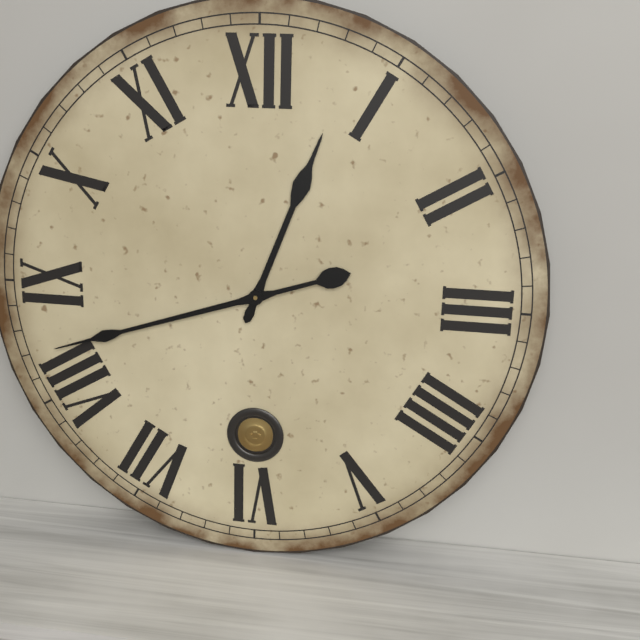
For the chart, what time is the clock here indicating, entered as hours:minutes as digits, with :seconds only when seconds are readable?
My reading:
12:42
